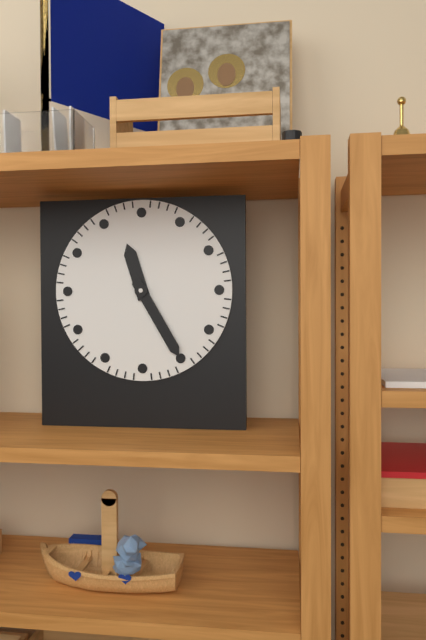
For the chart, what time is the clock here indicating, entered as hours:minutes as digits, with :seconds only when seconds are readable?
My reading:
11:25
